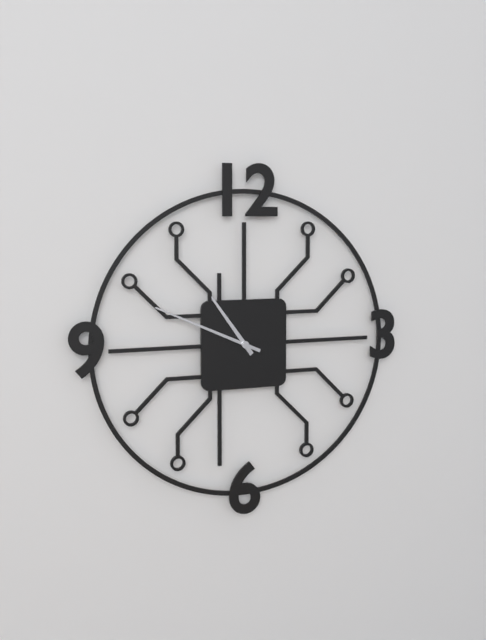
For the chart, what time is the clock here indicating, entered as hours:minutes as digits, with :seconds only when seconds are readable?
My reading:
10:49
